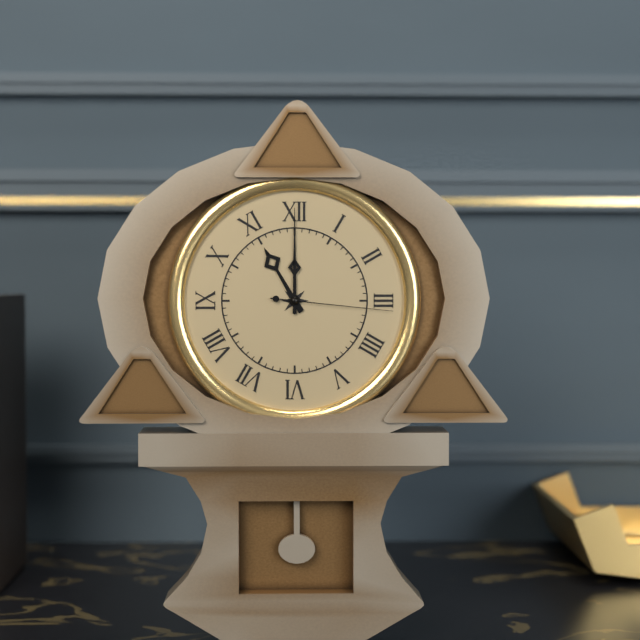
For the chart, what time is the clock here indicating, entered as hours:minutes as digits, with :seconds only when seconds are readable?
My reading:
11:00:16
